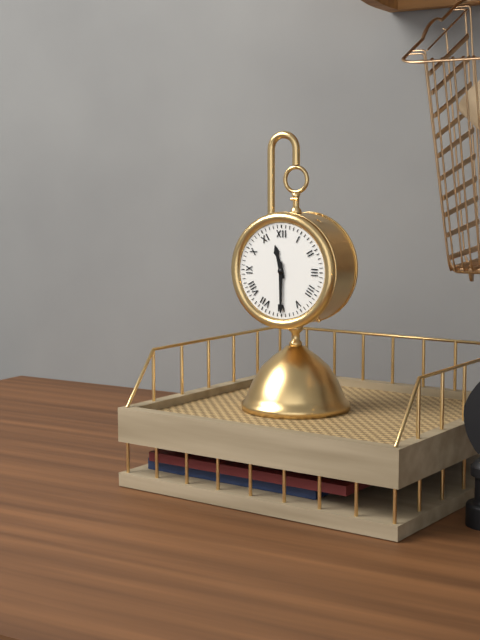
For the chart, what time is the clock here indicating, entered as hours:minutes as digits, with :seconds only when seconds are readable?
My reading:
11:30
